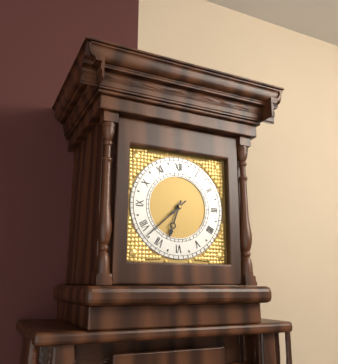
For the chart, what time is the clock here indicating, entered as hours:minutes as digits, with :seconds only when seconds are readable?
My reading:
6:38
